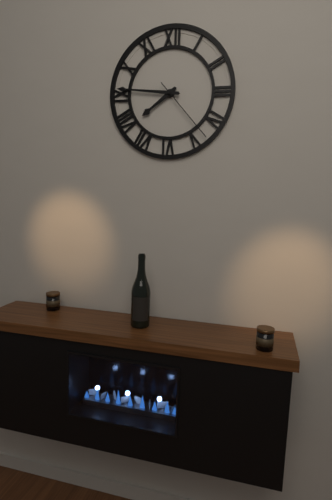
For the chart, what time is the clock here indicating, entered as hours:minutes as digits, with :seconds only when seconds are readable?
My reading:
7:46:23
